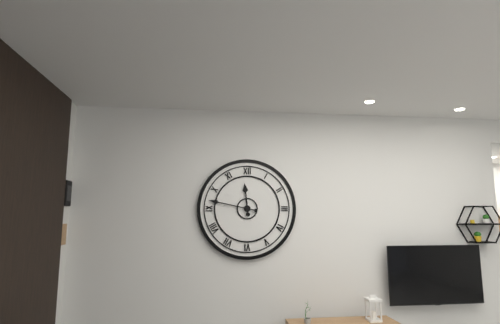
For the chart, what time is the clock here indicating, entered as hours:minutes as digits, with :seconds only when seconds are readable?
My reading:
11:47
